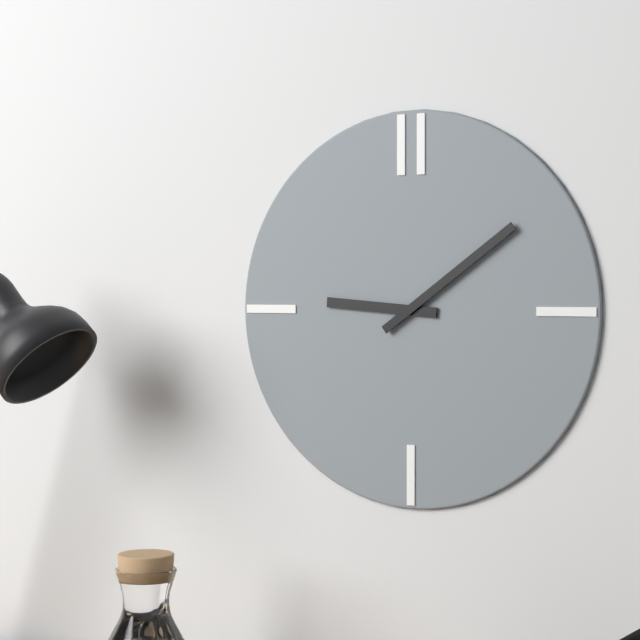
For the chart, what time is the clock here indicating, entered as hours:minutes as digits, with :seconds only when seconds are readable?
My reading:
9:09
